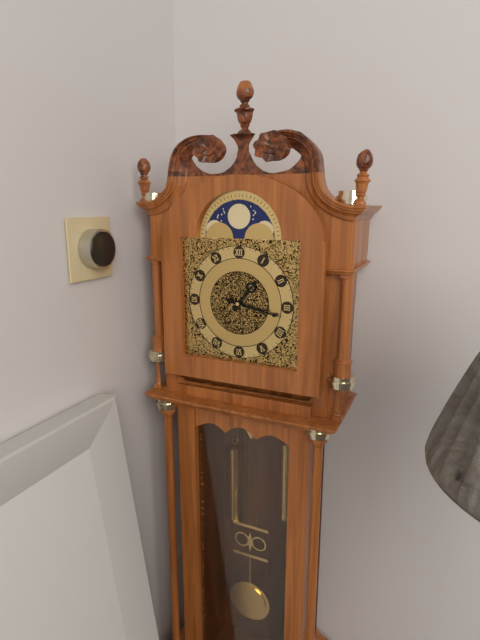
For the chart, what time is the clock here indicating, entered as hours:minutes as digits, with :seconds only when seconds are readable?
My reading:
1:17
